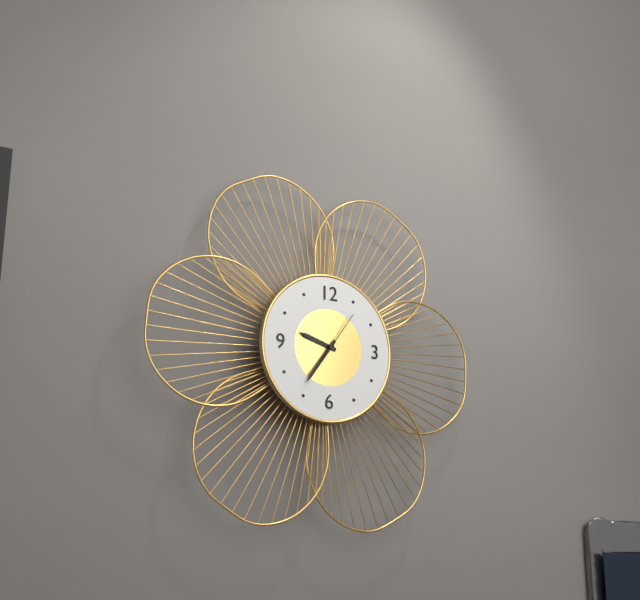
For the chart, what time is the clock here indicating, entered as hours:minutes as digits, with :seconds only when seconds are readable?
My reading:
9:36
